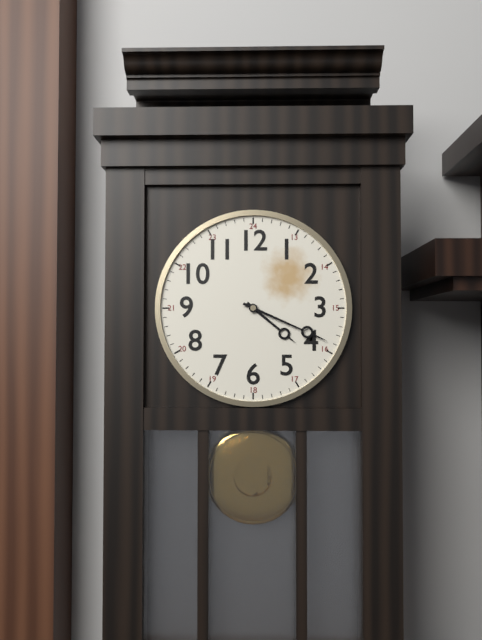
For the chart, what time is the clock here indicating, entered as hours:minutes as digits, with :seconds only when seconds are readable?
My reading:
4:19
